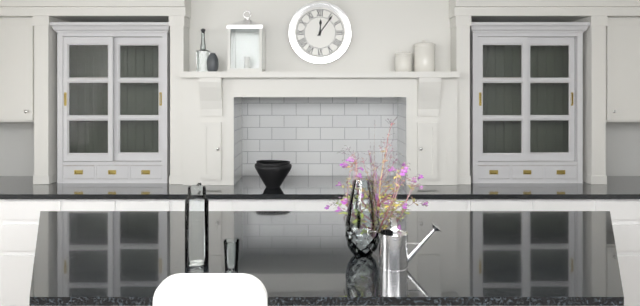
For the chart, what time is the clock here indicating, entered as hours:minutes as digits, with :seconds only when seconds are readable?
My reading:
12:06
